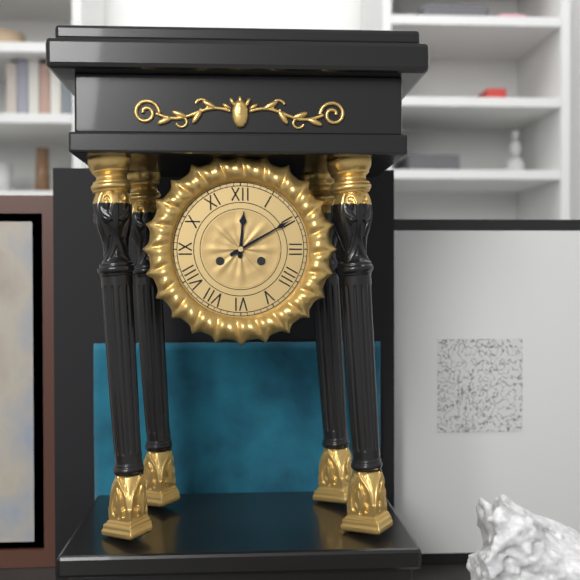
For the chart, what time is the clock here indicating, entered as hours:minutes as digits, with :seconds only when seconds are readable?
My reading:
12:10
